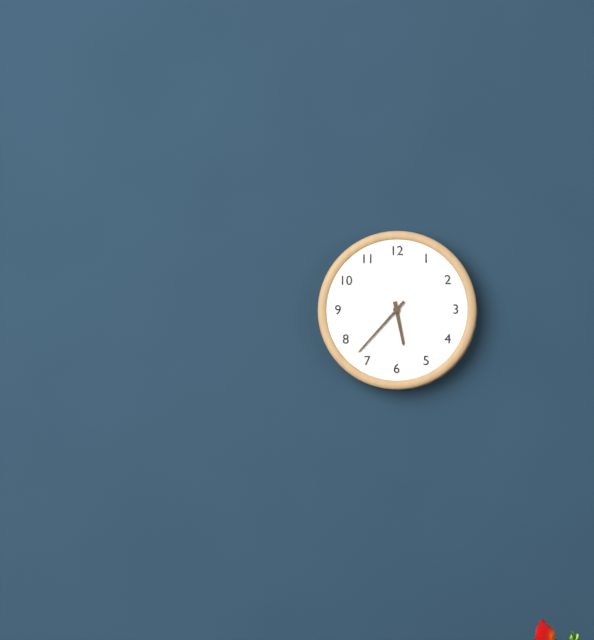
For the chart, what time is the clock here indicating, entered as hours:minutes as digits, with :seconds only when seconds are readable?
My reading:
5:37
